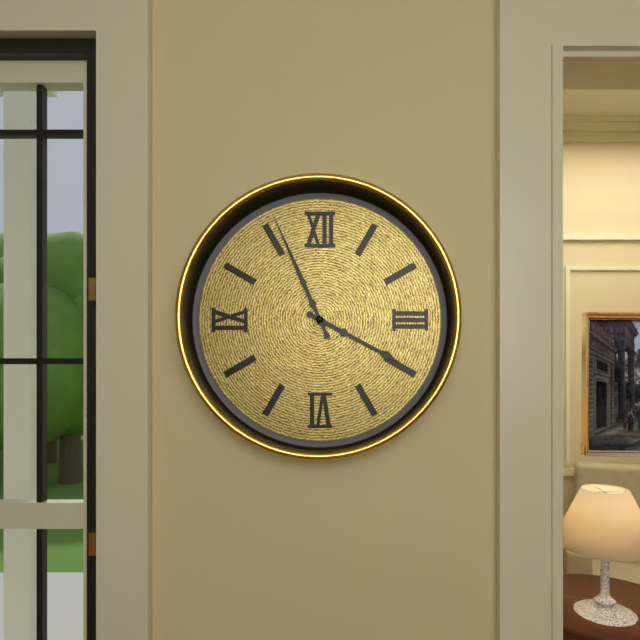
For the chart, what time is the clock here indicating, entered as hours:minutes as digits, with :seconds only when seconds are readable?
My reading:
3:56
